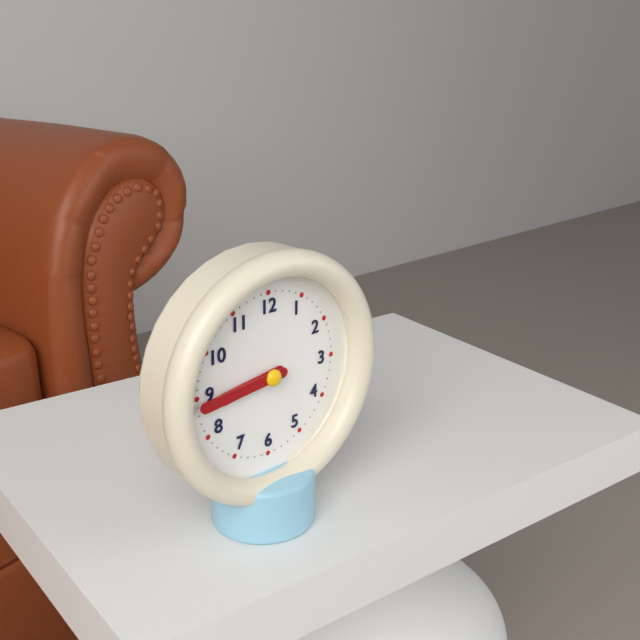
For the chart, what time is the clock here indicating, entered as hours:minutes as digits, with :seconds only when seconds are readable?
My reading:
8:44
